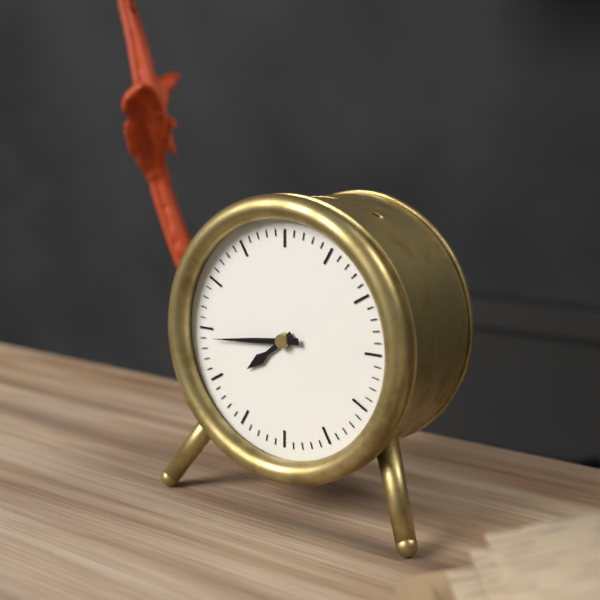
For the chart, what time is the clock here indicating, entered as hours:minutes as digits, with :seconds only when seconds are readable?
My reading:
7:44
